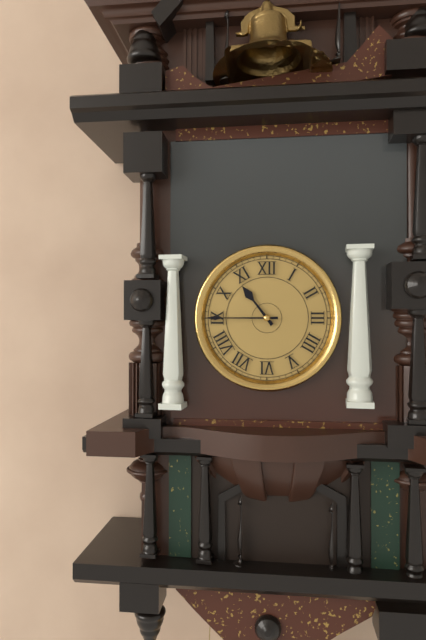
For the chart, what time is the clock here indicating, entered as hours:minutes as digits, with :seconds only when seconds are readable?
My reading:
10:45
